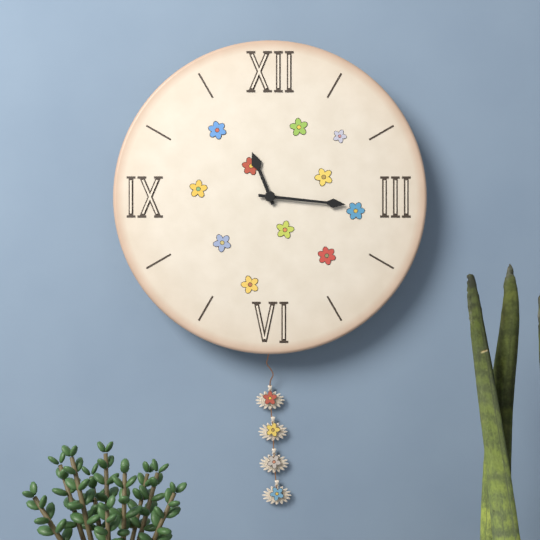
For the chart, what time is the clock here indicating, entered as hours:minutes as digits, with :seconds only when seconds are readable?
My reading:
11:16
